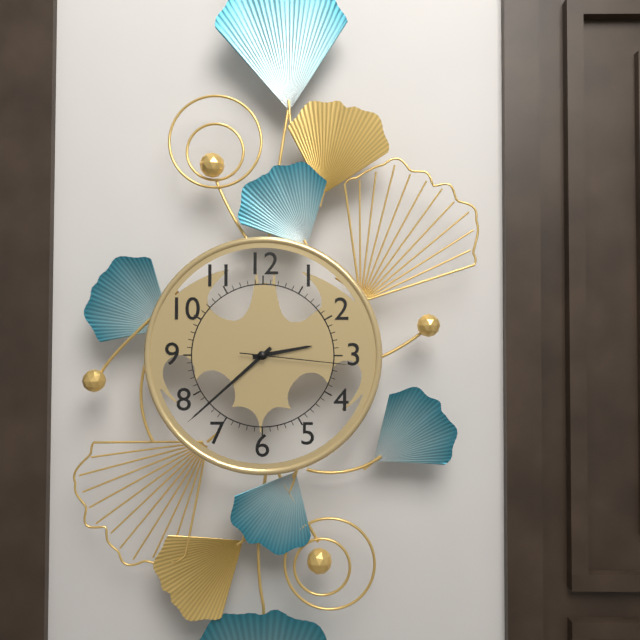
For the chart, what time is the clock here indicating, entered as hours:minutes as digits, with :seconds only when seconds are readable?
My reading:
2:38:16
